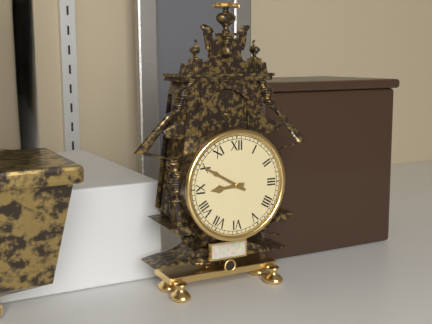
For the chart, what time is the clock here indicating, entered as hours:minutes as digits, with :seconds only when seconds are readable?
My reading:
8:50
